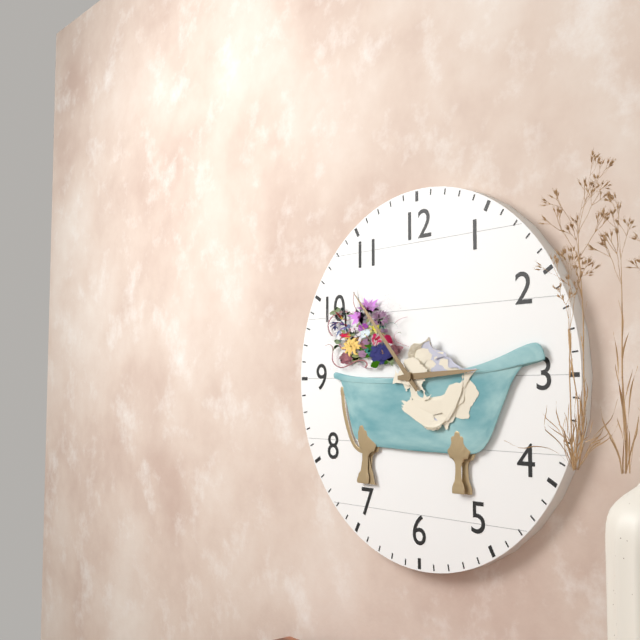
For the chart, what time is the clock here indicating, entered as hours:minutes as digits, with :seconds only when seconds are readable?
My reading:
2:53
